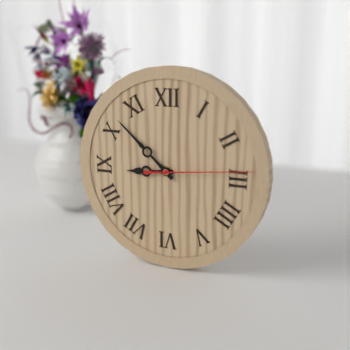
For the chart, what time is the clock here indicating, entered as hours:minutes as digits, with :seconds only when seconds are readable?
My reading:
8:52:14
